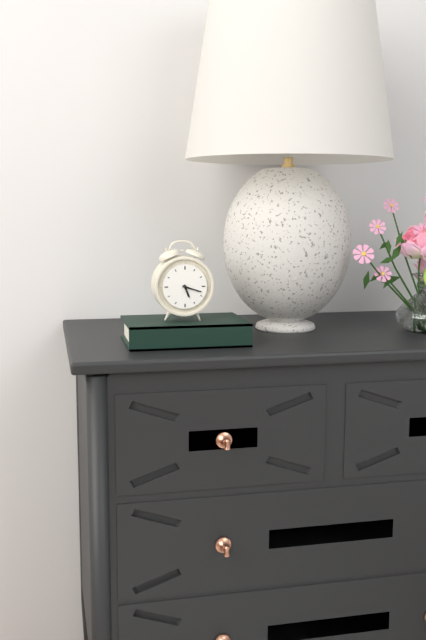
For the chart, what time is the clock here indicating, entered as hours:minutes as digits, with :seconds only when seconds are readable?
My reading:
5:18
